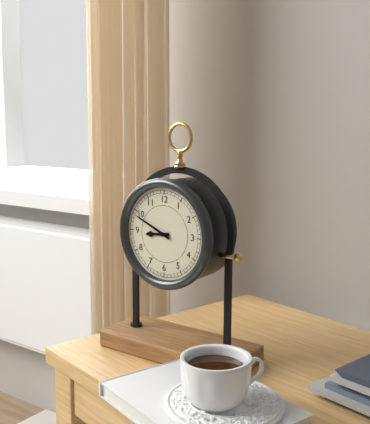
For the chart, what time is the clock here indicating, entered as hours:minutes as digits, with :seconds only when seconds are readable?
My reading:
8:49
